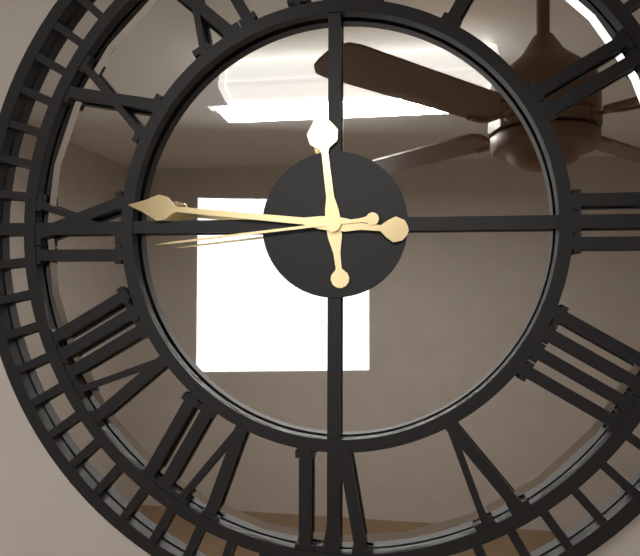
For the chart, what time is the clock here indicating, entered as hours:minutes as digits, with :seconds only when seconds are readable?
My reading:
11:46:44
